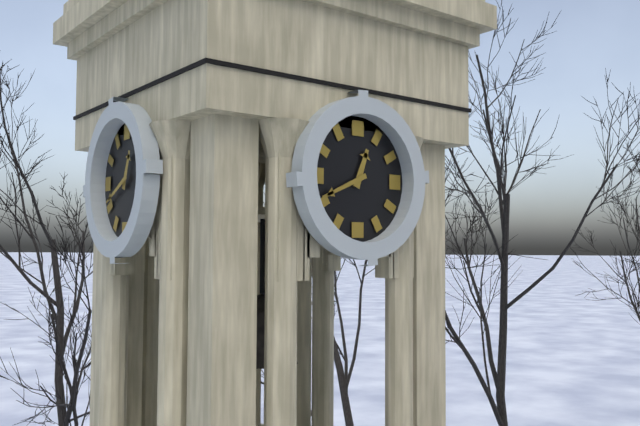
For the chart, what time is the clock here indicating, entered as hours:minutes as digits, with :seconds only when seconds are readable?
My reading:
12:41
